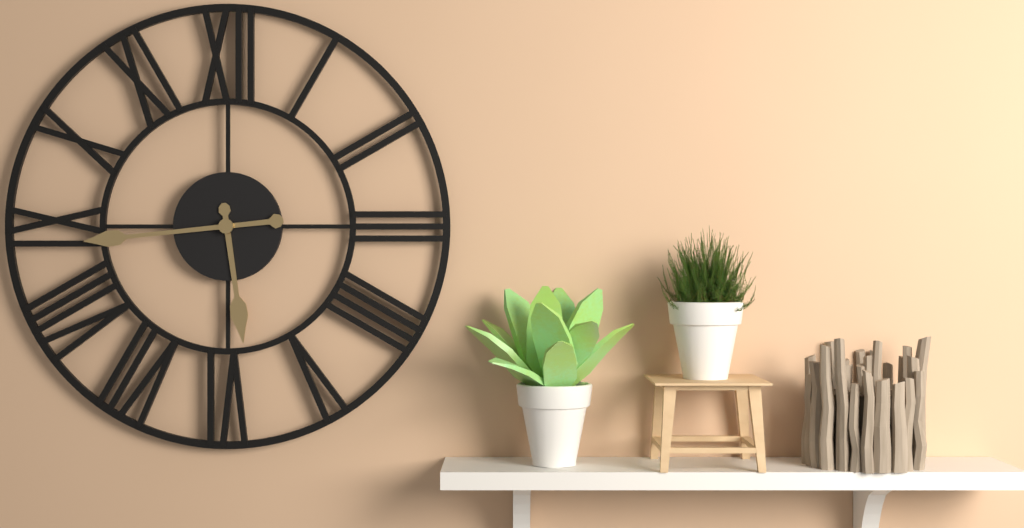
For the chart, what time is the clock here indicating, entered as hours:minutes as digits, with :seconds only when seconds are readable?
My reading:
5:44
